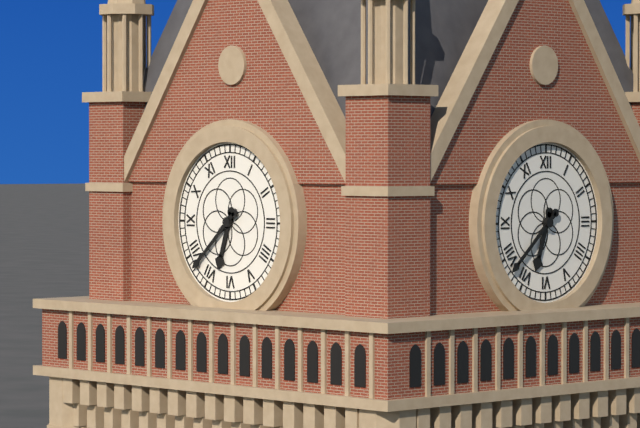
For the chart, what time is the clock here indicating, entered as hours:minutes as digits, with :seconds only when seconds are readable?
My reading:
6:38
